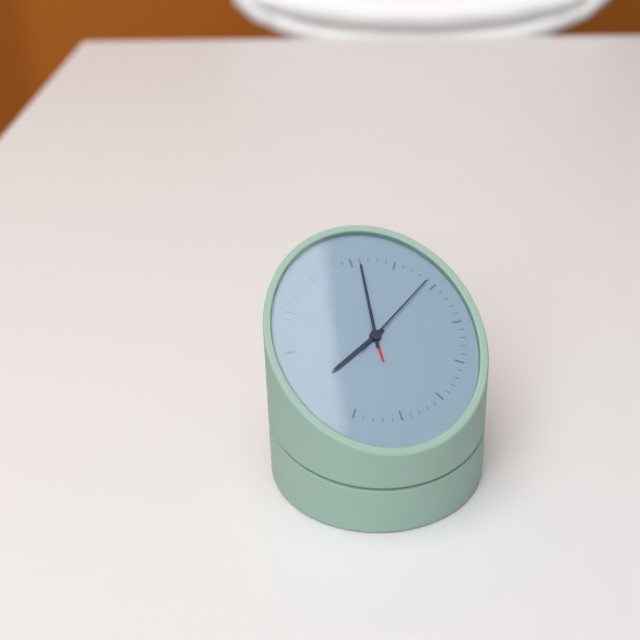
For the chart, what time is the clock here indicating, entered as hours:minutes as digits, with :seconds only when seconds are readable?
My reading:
8:01:09
